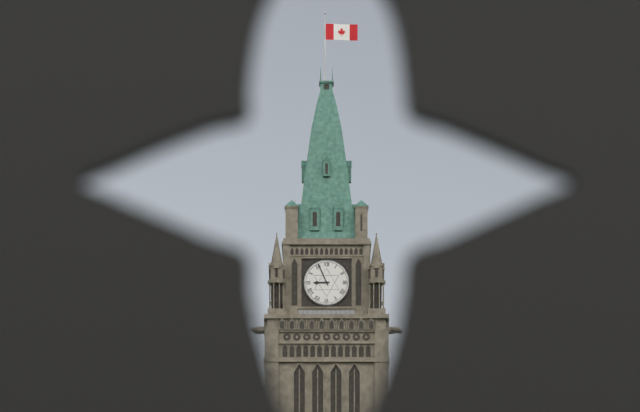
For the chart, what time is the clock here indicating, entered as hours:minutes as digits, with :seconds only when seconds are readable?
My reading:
8:56
